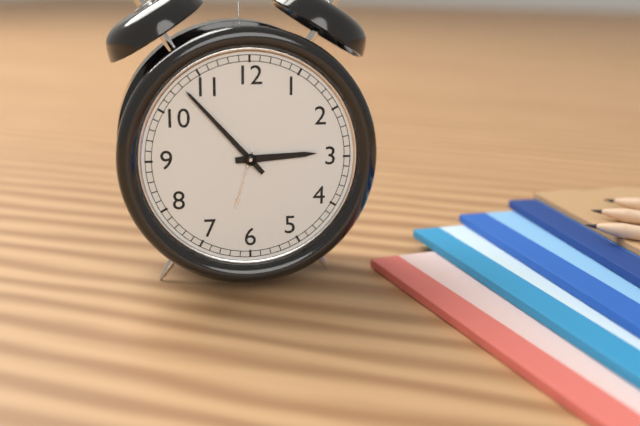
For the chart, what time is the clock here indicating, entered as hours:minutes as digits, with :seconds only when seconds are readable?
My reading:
2:53
